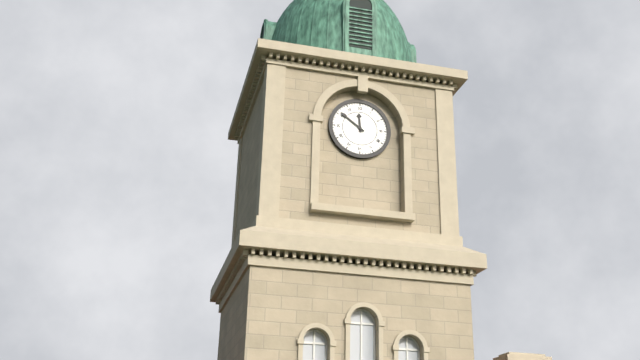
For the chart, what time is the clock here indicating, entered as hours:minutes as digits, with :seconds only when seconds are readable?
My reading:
11:51
